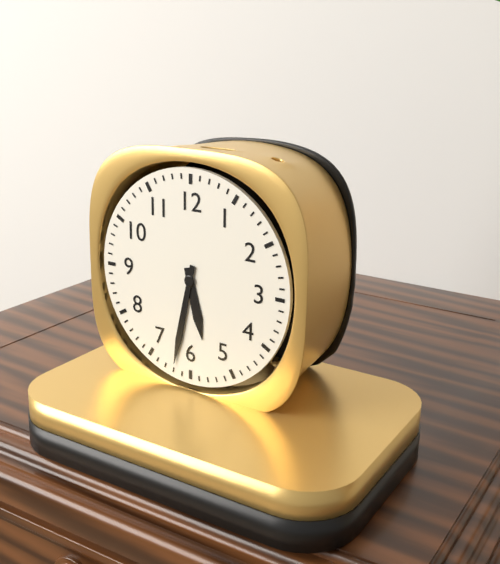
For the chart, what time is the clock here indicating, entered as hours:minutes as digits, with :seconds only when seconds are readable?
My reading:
5:32
